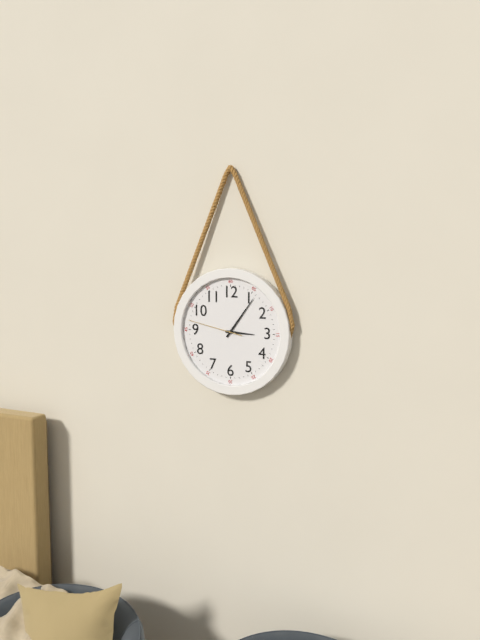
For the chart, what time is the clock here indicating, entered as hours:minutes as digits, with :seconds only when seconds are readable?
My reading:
3:06:47
